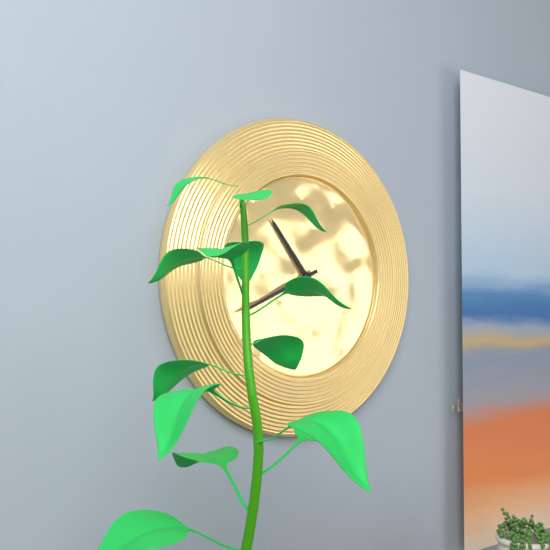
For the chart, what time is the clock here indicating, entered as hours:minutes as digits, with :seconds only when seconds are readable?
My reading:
10:41
